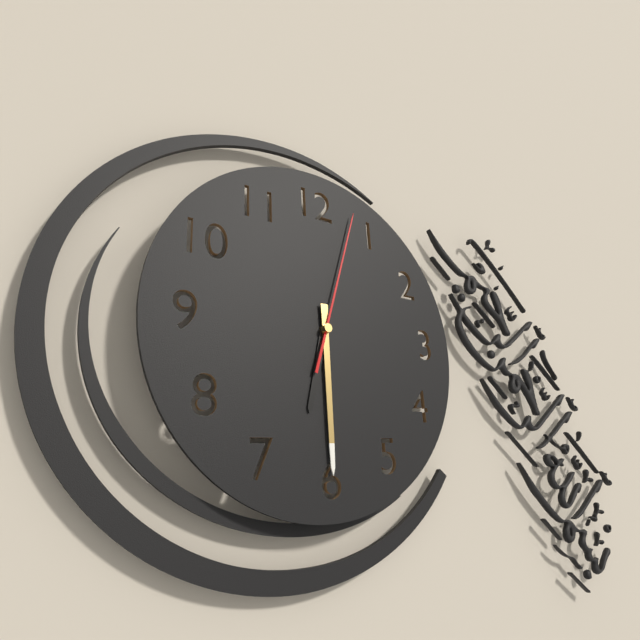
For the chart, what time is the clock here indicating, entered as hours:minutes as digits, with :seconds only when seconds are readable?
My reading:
6:30:03
